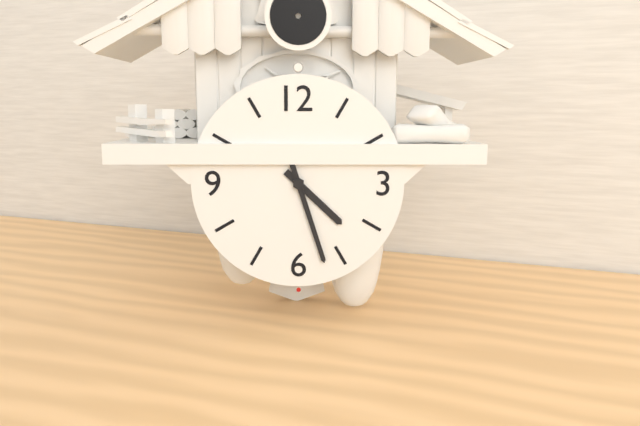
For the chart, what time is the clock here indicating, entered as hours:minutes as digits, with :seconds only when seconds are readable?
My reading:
4:27
